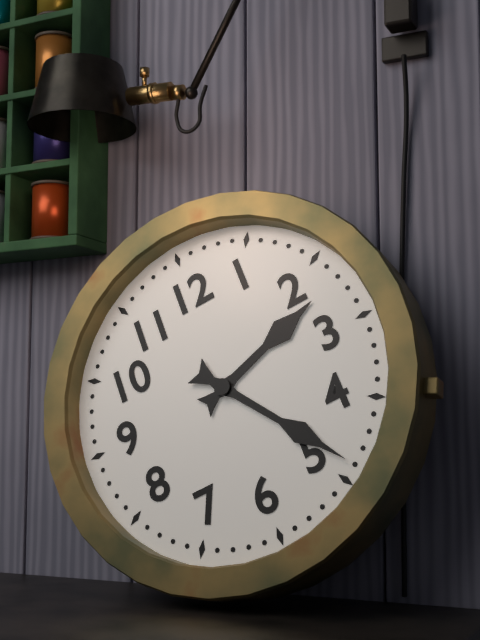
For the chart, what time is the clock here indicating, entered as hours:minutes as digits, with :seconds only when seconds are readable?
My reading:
2:24
